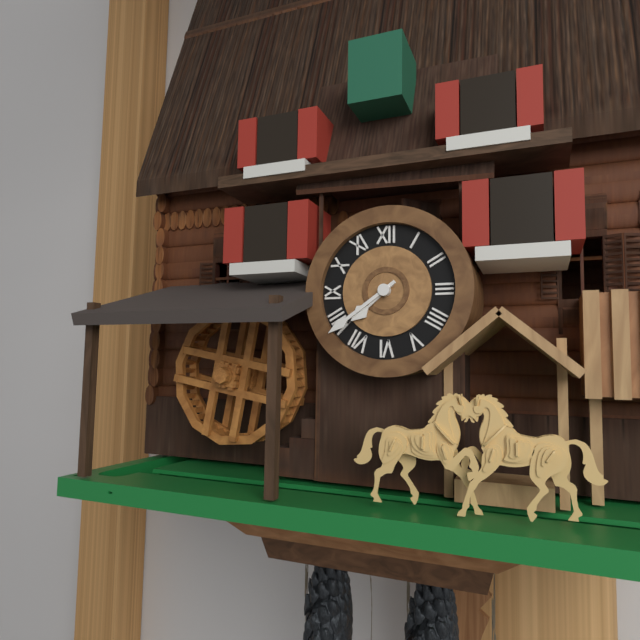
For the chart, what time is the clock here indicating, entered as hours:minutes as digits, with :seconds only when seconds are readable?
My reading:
7:39
